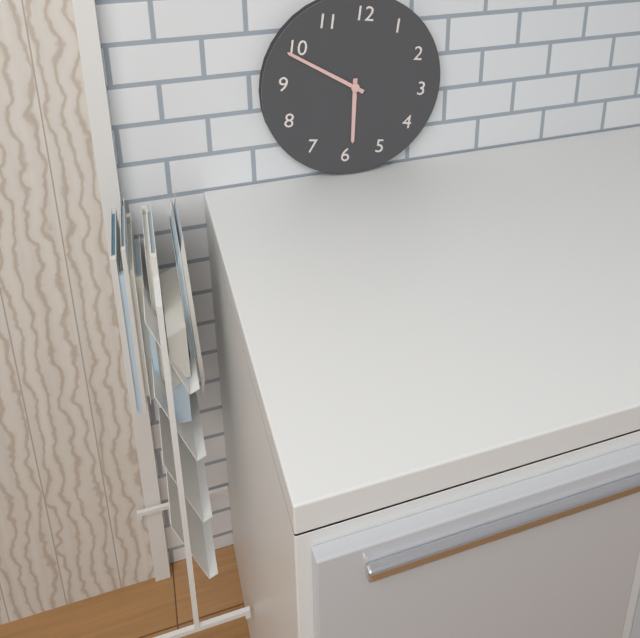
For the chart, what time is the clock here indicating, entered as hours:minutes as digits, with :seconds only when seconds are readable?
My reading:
5:49
